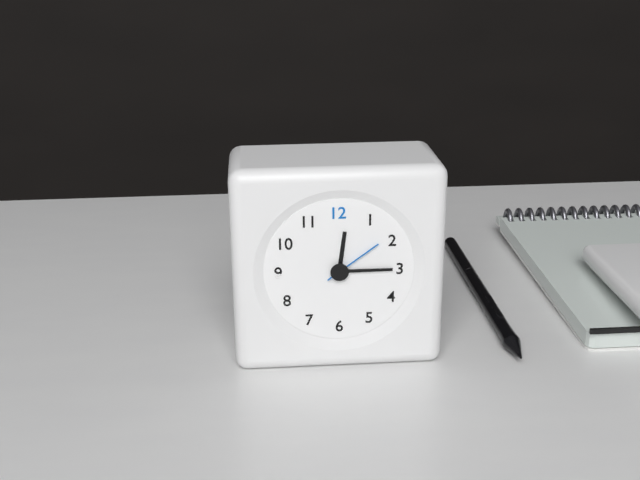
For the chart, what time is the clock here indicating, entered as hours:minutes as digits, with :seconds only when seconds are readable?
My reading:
12:15:09
